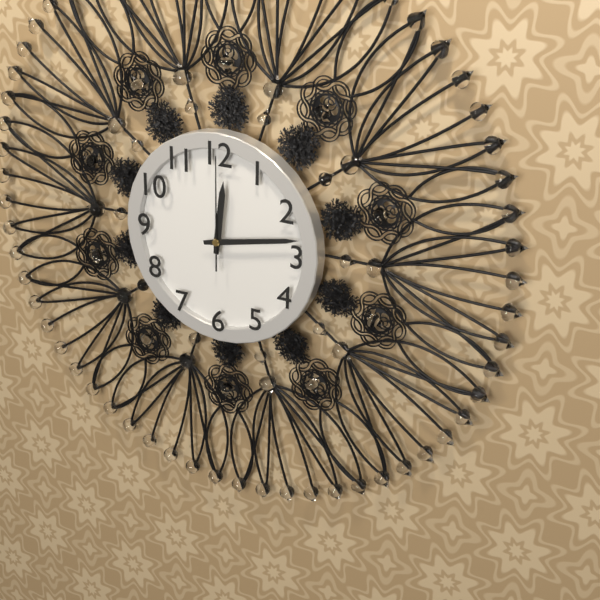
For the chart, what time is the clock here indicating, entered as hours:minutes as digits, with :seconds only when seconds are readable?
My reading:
12:13:00
